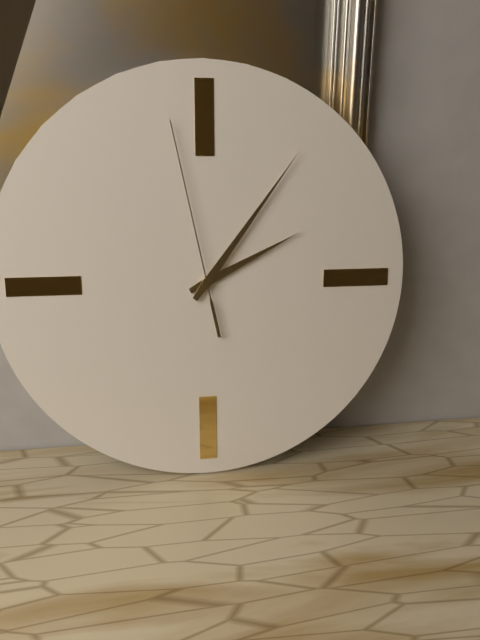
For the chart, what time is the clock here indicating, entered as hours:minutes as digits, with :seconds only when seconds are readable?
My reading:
2:06:58
